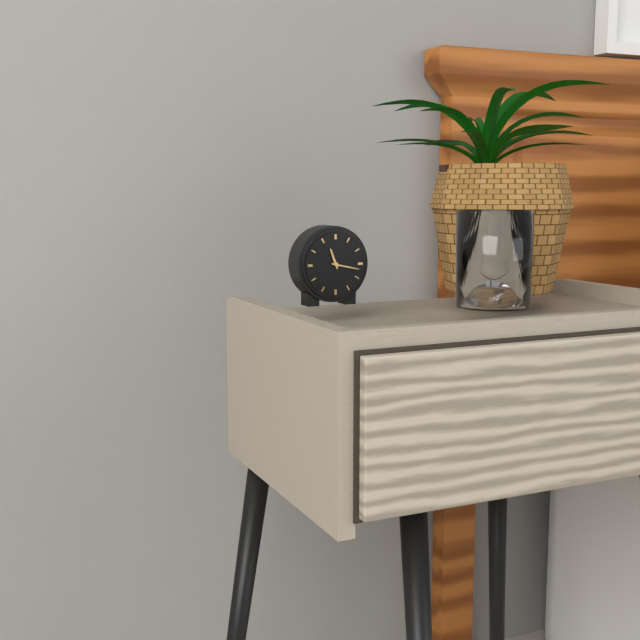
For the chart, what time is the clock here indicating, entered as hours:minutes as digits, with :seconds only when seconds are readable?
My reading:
11:17
